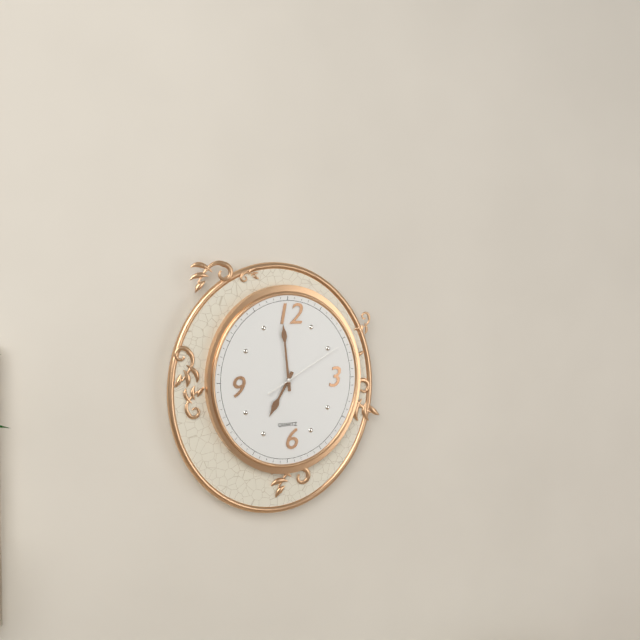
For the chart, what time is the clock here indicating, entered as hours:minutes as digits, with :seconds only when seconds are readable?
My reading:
6:59:10
